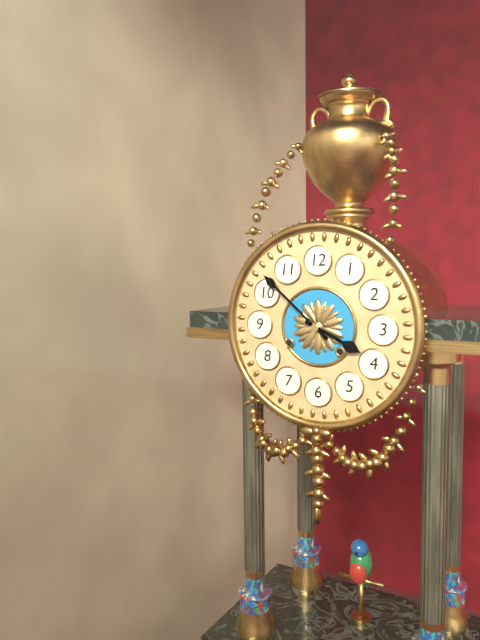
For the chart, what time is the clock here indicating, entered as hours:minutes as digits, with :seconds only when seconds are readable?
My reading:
3:52
